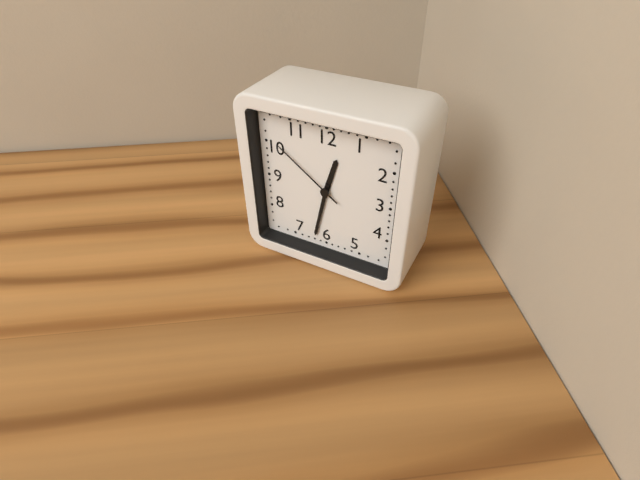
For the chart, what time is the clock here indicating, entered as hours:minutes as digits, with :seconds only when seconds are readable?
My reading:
12:32:51
